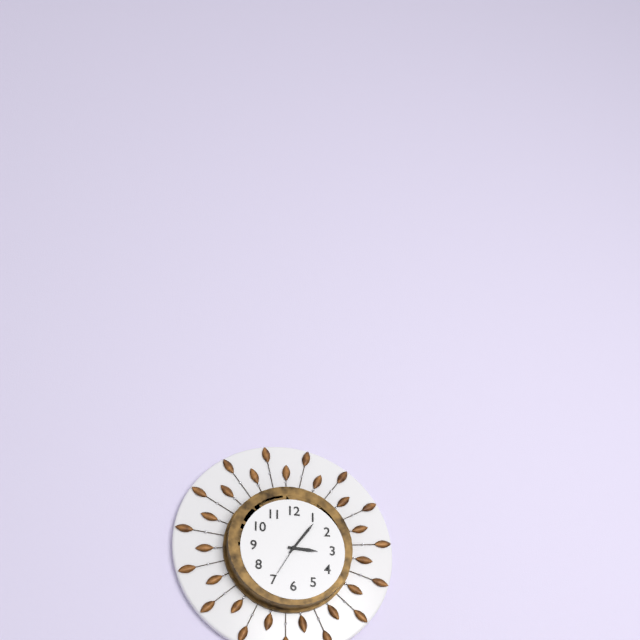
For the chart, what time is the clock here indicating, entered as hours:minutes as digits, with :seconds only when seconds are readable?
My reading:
3:06
